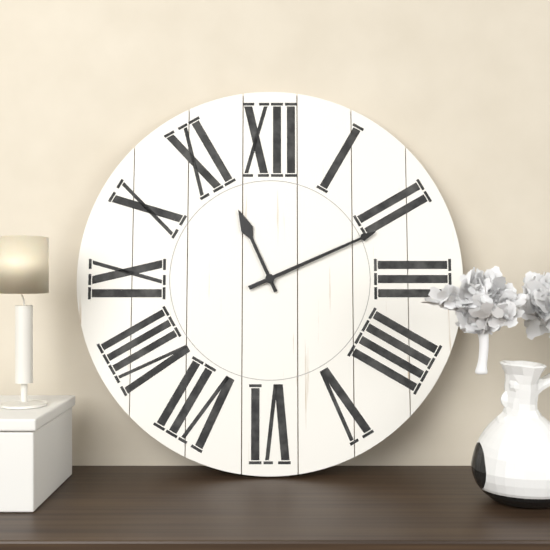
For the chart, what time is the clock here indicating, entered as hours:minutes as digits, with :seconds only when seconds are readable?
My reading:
11:11
